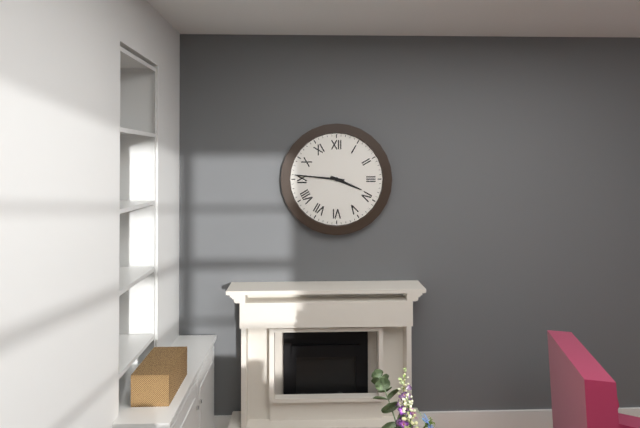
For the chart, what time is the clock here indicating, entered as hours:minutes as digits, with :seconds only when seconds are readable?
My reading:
3:46
